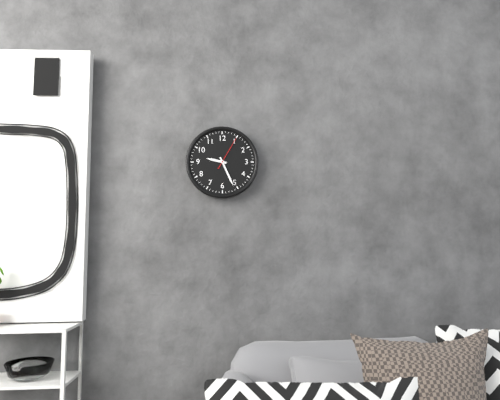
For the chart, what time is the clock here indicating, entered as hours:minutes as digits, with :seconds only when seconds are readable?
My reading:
9:26
